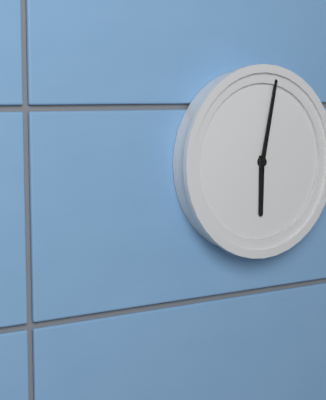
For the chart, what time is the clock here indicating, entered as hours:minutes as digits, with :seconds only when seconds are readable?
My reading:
6:02
